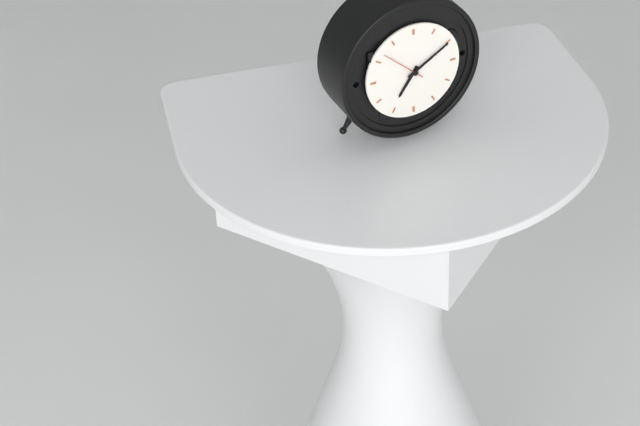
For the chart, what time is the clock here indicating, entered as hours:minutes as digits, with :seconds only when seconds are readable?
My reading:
7:10
